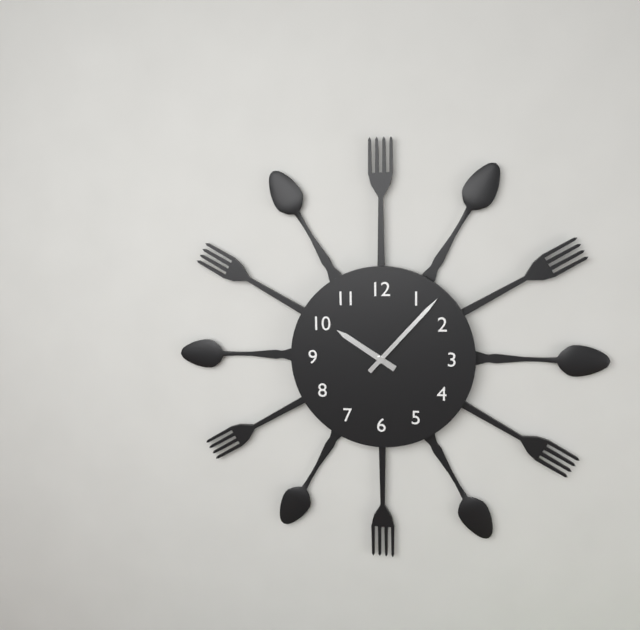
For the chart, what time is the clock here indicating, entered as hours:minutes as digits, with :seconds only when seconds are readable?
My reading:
10:07
